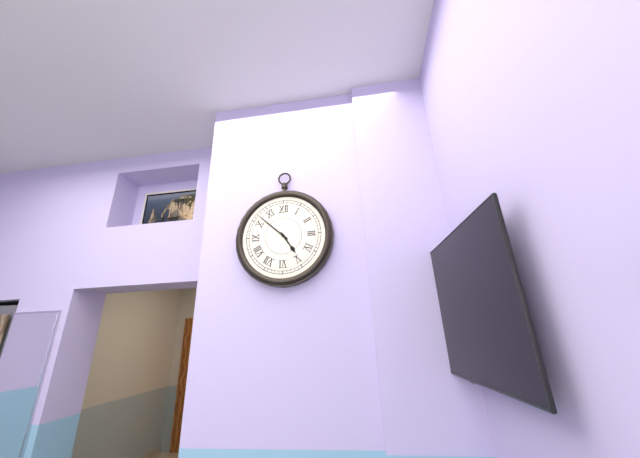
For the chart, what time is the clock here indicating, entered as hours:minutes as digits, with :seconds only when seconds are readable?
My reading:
4:52
